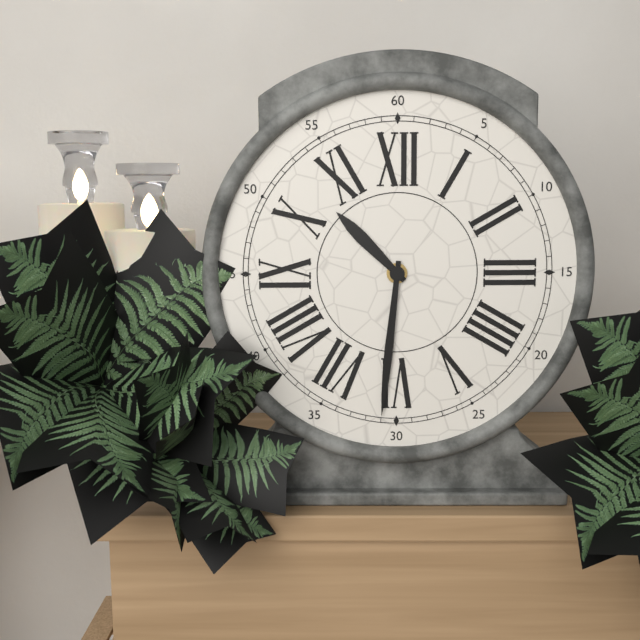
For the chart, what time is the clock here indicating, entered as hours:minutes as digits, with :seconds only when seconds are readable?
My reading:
10:31
